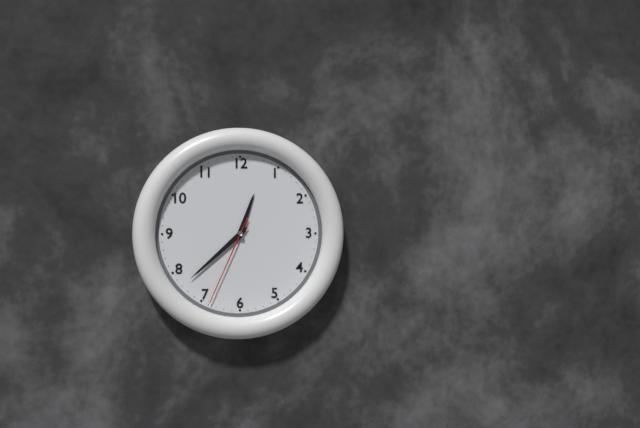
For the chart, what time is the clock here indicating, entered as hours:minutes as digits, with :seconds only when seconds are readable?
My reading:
12:38:34
